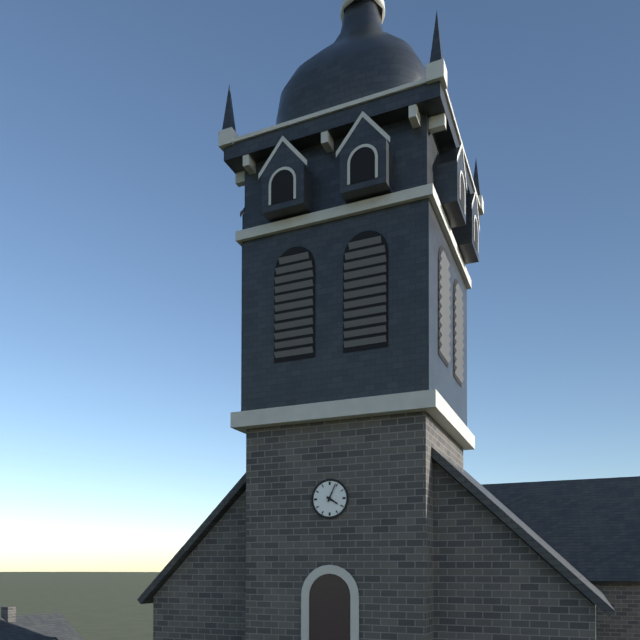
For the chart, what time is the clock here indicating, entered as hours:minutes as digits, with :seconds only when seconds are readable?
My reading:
4:04
